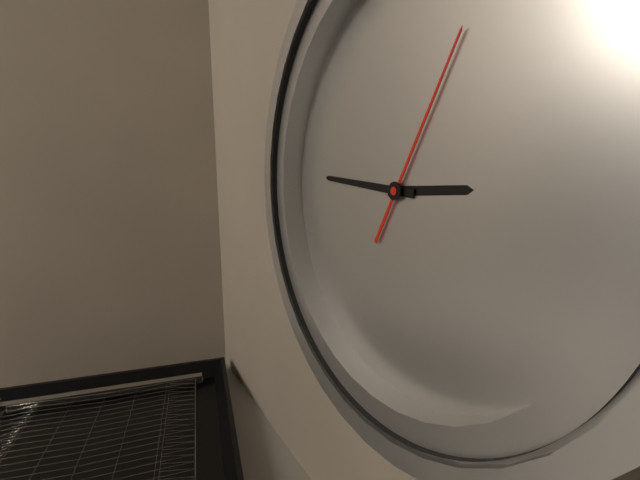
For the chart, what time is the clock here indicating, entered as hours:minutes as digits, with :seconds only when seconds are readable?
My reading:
2:45:04
